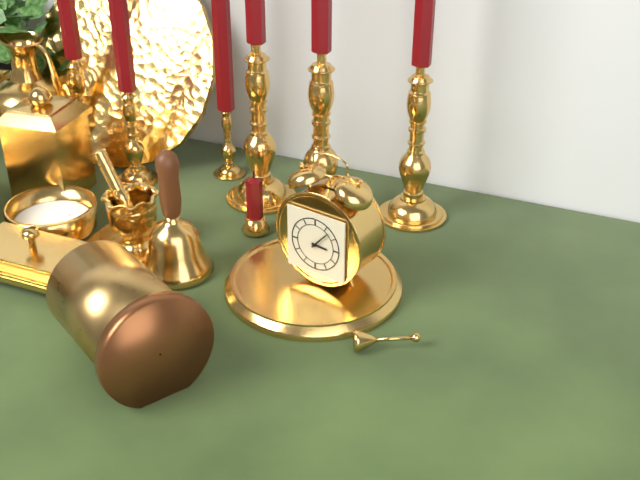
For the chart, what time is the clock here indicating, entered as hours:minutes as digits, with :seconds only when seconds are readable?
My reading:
3:07
